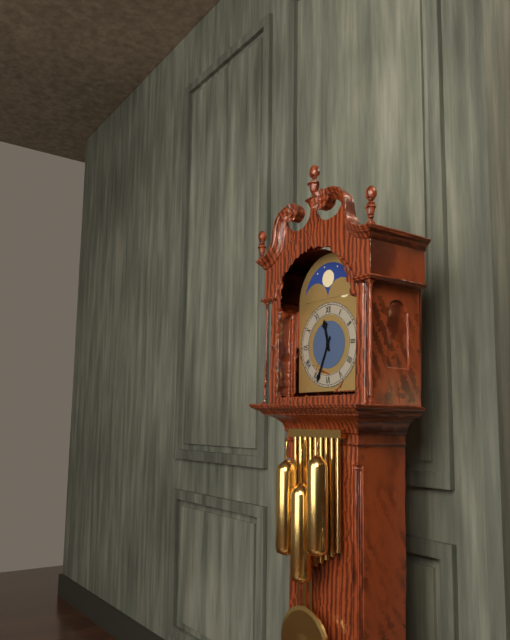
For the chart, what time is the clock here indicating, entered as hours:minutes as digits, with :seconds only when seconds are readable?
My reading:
11:34
